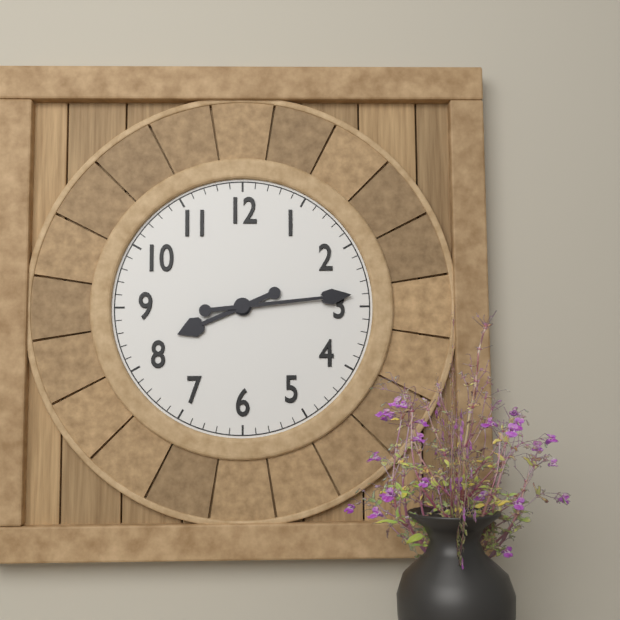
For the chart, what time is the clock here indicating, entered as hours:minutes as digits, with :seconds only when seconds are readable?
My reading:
8:14
